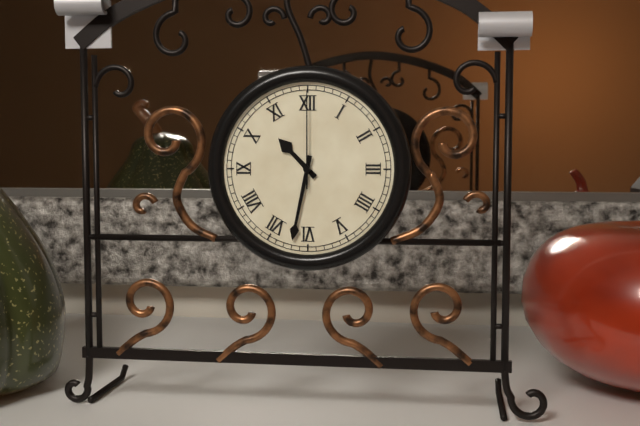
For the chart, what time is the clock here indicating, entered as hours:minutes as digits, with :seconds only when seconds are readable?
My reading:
10:32:00
